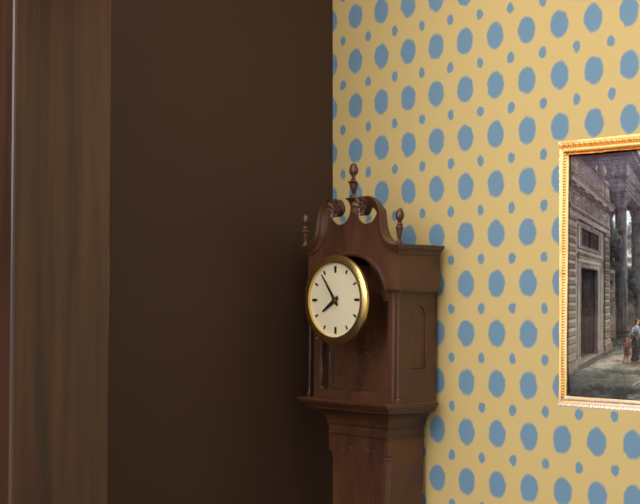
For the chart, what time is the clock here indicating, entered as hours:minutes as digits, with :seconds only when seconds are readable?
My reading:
7:54
